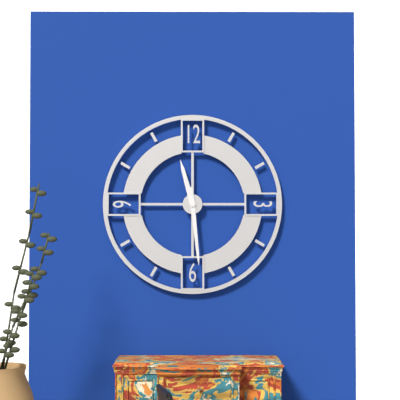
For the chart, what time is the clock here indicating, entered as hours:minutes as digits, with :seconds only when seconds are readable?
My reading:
11:29
